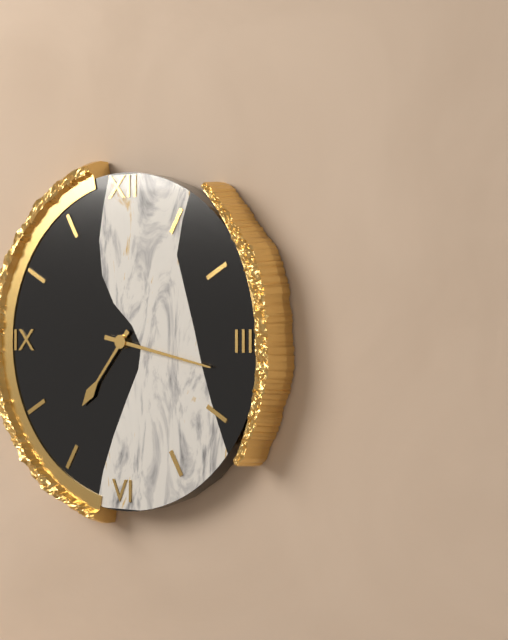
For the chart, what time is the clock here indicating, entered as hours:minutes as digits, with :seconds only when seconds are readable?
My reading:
7:17
